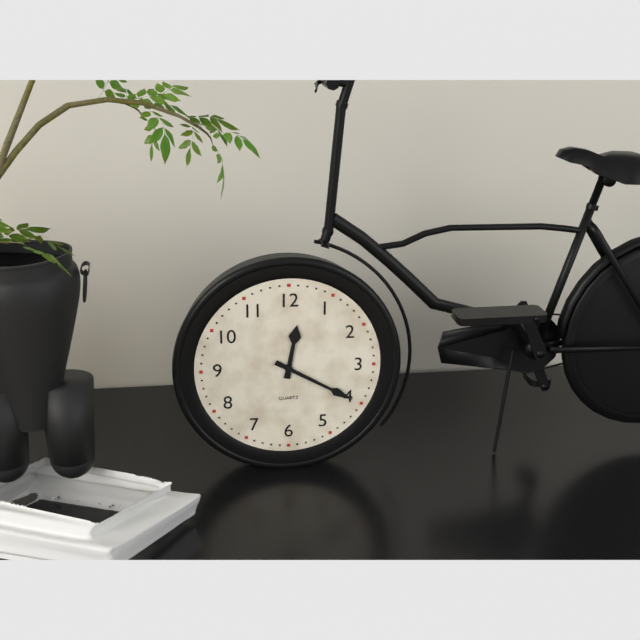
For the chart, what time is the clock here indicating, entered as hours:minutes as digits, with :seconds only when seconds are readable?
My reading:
12:20
